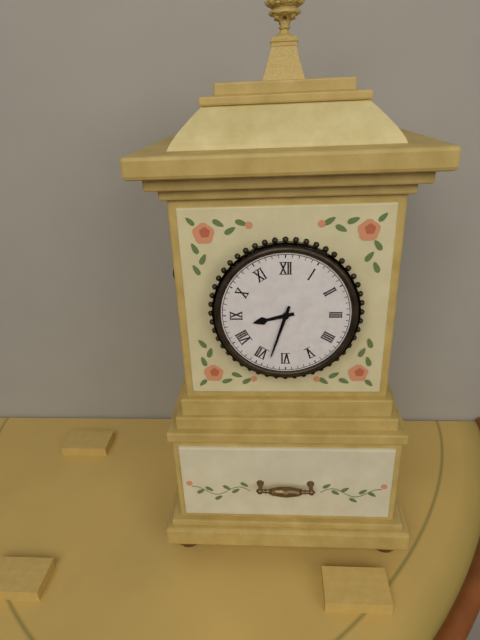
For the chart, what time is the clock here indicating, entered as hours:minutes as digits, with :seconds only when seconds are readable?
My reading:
8:33
